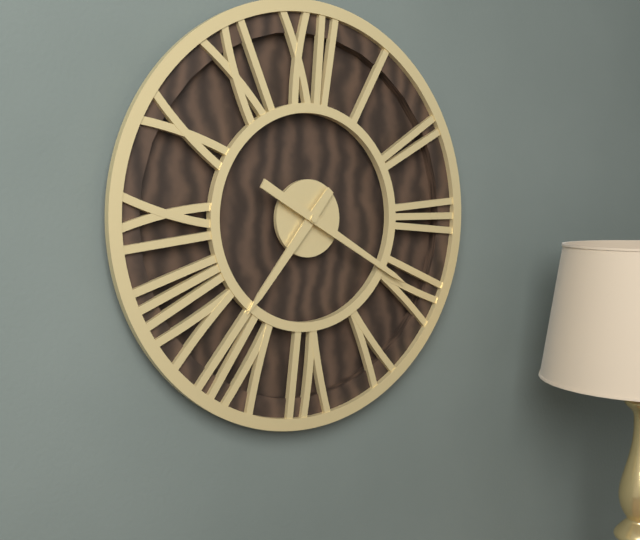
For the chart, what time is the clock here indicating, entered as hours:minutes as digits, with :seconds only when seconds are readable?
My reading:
7:20
